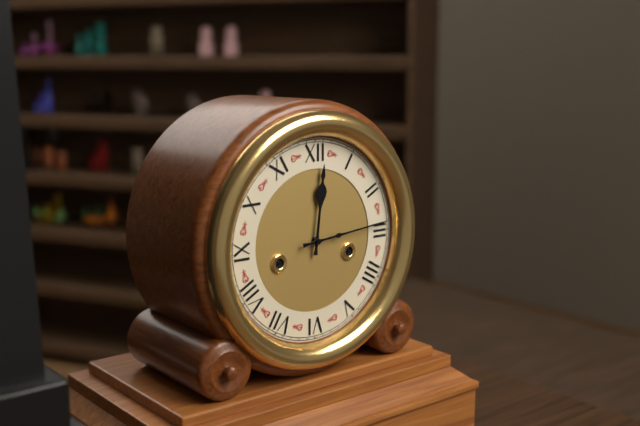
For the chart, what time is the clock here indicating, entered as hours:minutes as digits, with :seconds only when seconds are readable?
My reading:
12:14
